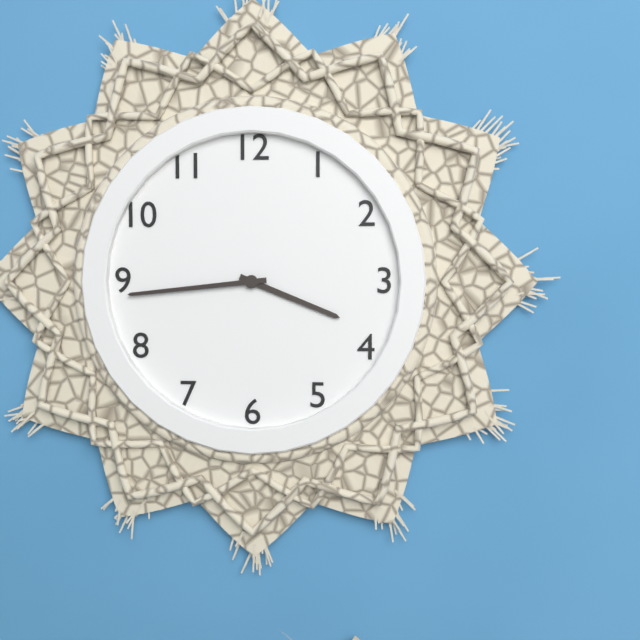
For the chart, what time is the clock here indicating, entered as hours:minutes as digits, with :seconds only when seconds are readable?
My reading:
3:44
